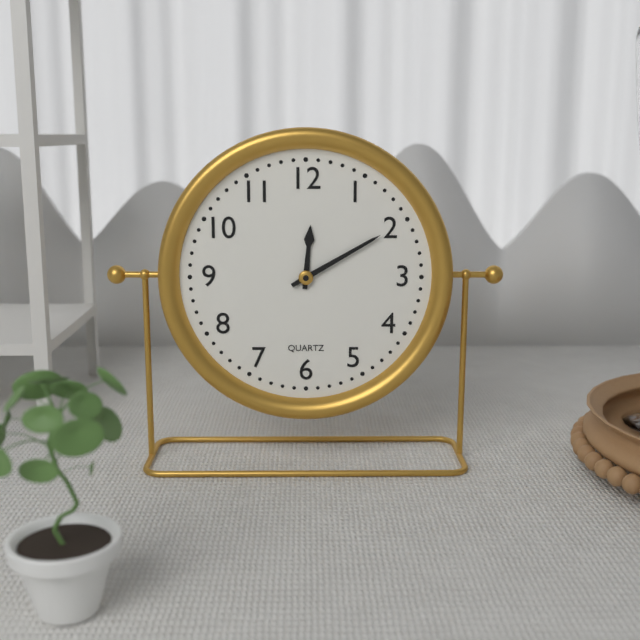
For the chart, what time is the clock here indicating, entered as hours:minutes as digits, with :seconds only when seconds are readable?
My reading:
12:10
